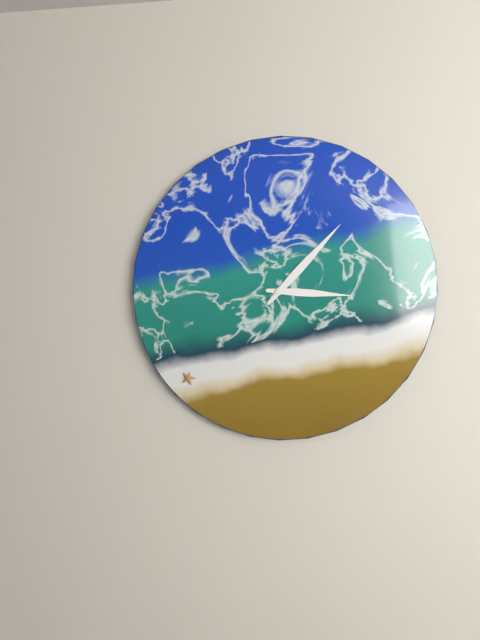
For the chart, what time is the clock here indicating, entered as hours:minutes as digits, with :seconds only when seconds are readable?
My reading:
3:07
